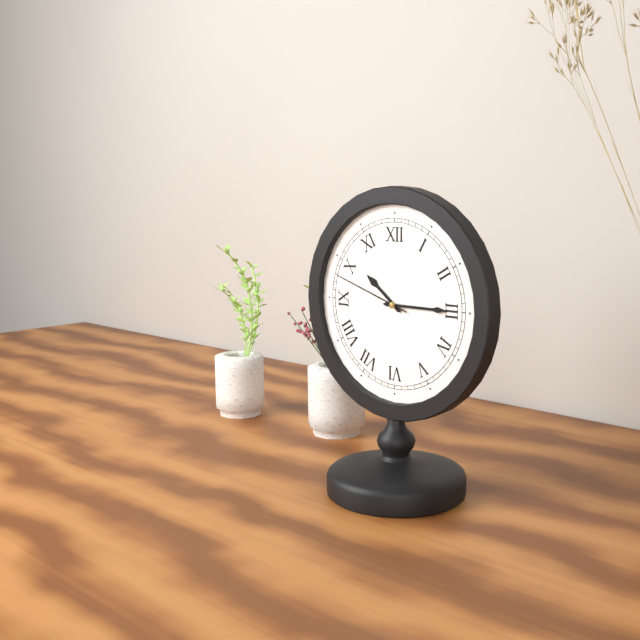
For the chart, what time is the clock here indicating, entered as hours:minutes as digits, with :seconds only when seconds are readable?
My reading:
10:15:48
